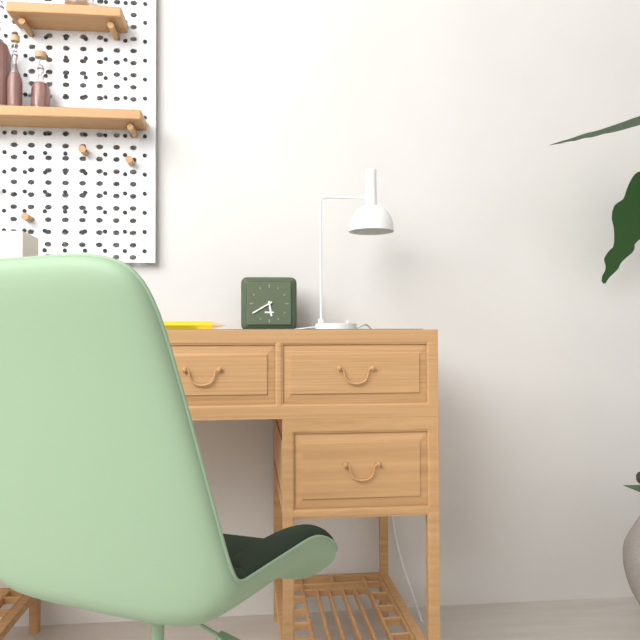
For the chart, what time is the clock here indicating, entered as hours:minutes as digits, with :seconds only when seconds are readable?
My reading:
5:40
